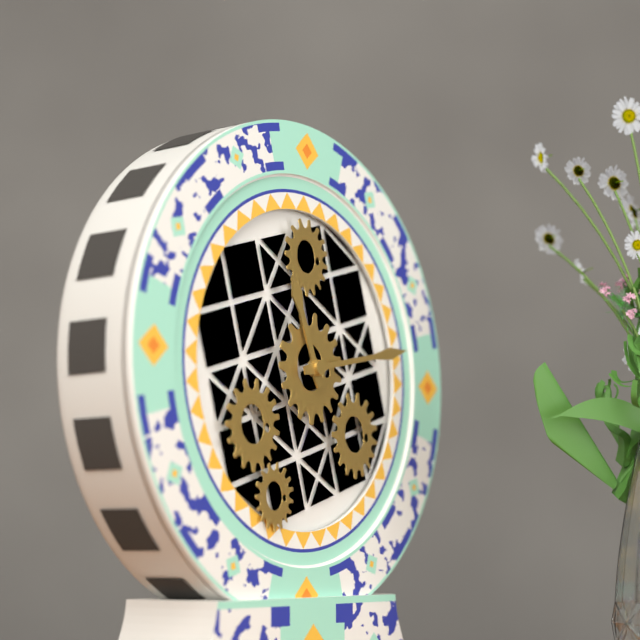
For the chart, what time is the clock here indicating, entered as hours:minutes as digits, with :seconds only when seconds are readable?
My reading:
11:13
